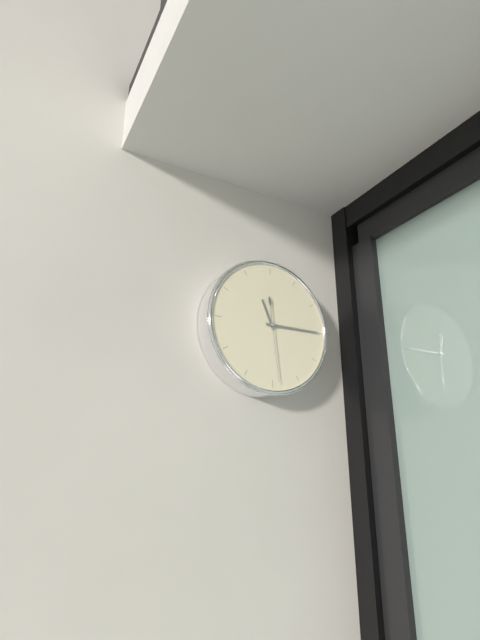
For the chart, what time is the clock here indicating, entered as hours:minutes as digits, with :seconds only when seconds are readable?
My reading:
11:15:29
